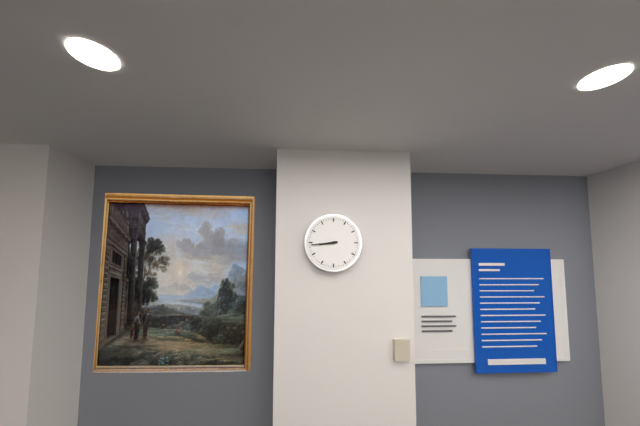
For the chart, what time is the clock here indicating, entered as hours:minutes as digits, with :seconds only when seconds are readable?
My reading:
8:44
